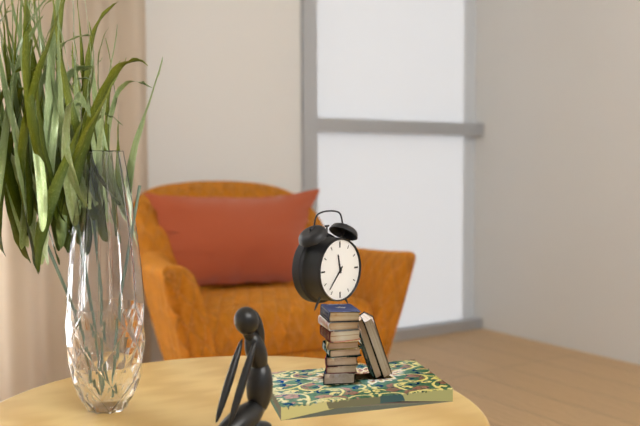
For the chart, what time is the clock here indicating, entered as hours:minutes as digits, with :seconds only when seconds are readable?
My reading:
11:37
